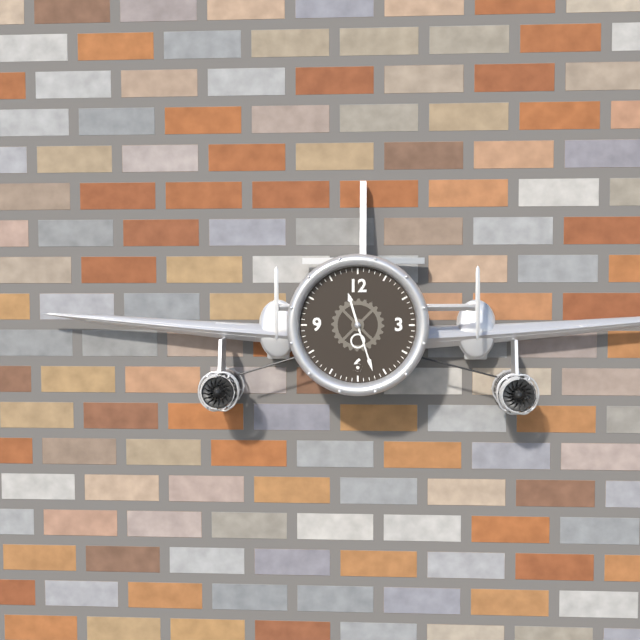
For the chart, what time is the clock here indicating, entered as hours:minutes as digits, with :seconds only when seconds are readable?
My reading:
11:27
